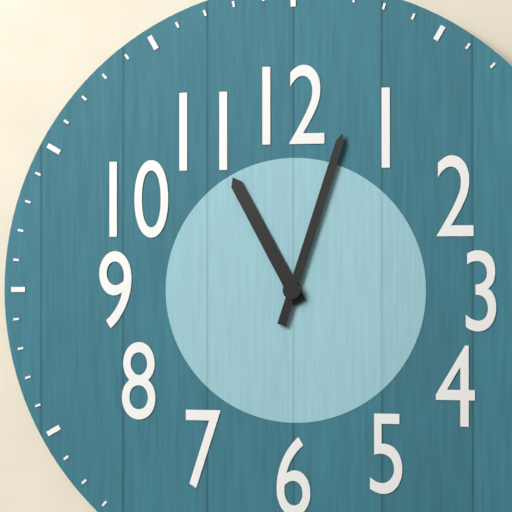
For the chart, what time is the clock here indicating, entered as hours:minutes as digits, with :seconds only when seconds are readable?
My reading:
11:03
